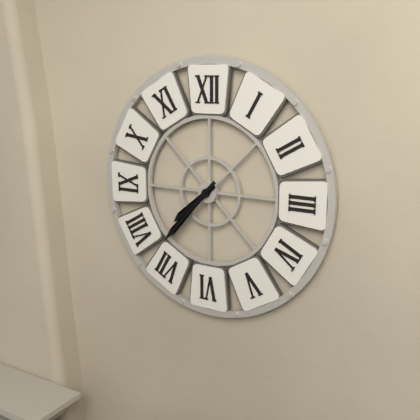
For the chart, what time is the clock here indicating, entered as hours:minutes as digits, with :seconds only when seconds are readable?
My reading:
7:37
